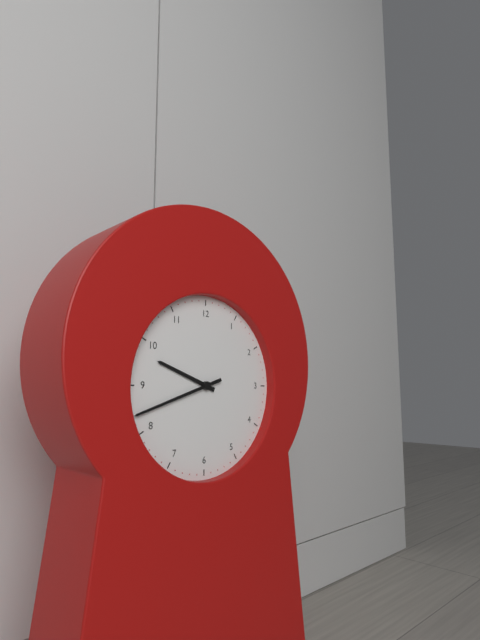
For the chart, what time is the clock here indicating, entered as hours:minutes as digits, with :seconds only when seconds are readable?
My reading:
9:42
